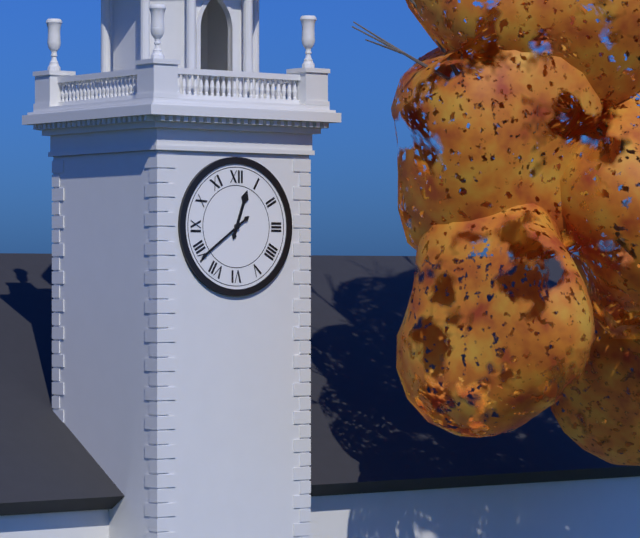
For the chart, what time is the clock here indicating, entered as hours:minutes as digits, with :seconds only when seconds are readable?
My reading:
12:39
